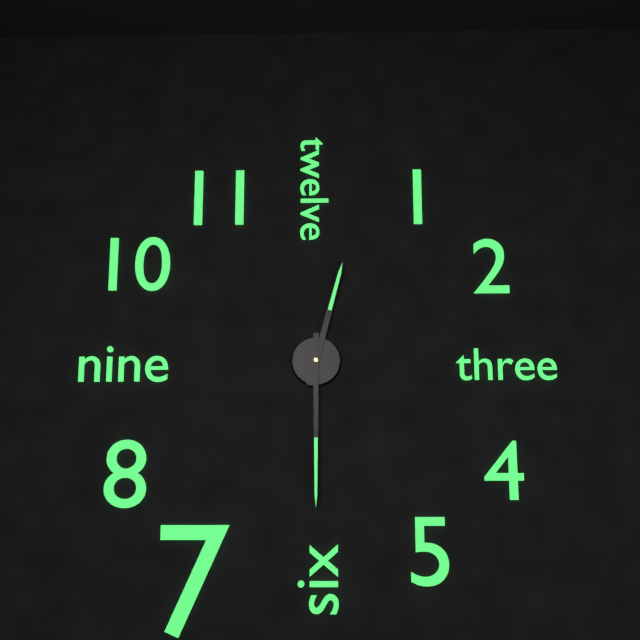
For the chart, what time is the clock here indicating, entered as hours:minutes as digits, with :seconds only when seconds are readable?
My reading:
12:30
